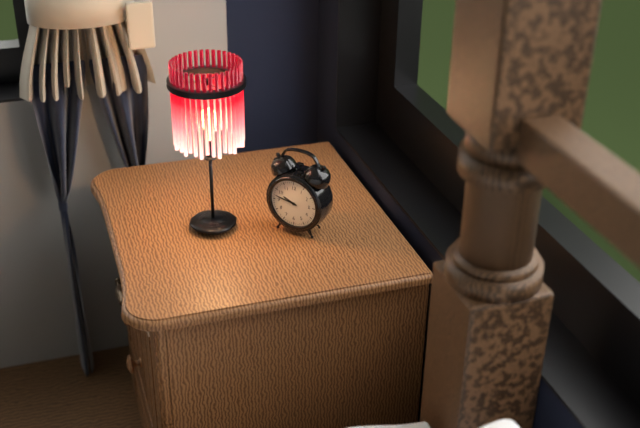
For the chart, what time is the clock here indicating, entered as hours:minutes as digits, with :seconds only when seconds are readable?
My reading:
9:47
